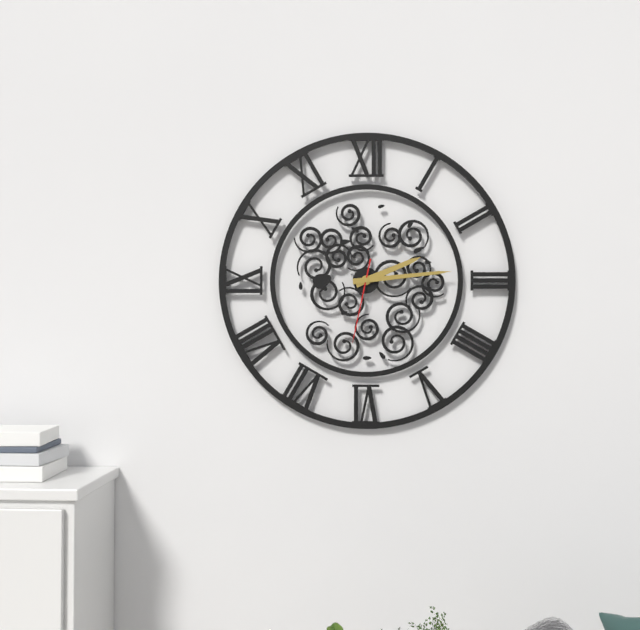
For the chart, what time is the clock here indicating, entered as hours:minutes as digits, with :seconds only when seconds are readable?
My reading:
2:14:32
